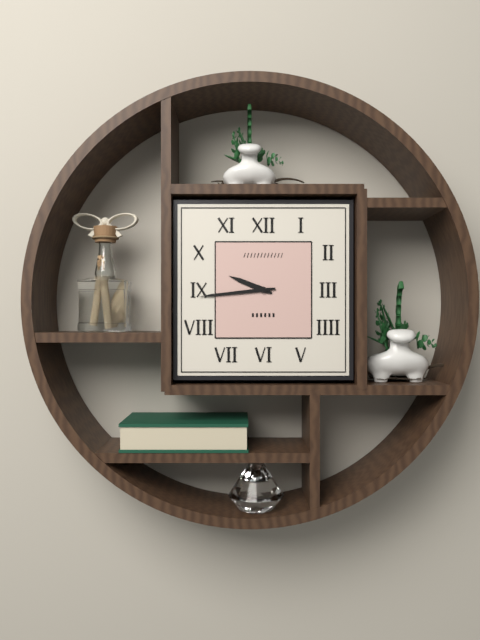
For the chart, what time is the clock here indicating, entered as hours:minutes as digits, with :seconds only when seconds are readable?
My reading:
9:44
